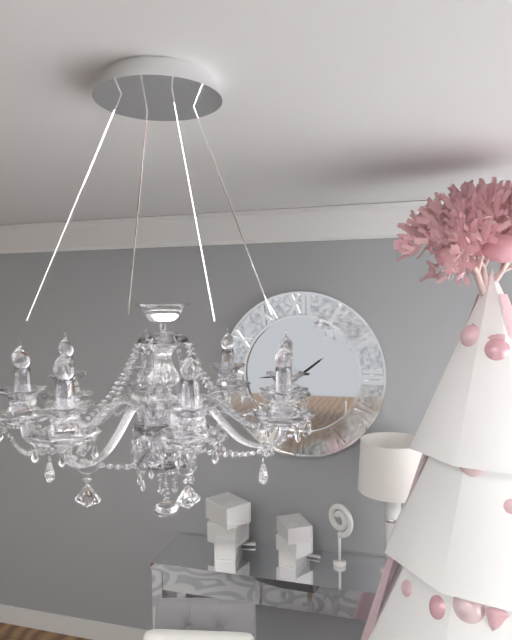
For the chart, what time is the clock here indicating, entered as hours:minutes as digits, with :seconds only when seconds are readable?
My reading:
1:44
